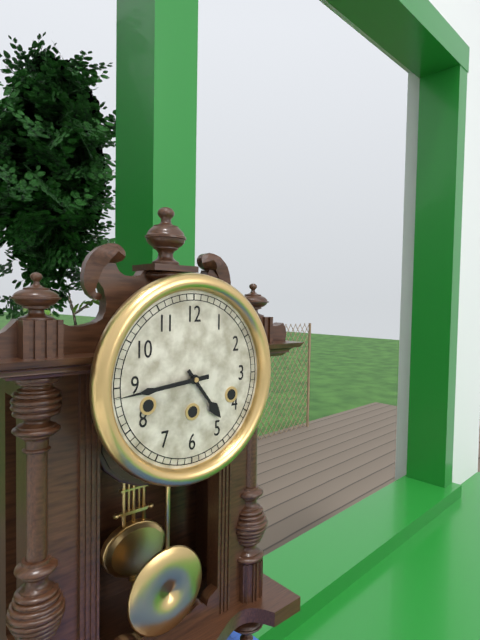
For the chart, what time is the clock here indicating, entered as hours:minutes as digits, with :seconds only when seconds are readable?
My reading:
4:44
